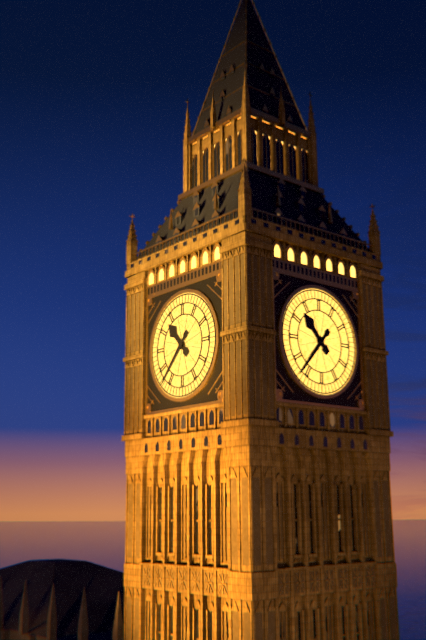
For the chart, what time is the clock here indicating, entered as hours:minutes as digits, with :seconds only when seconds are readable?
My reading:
10:37
